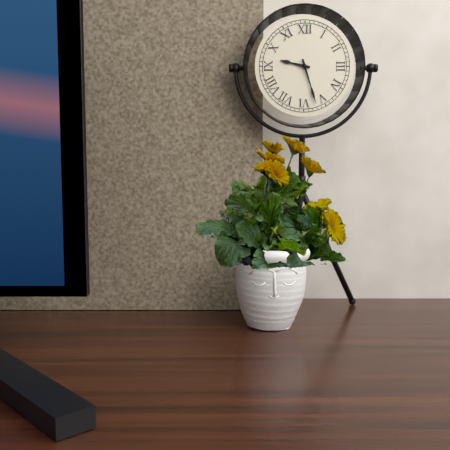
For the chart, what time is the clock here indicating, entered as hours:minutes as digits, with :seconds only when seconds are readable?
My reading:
9:27
